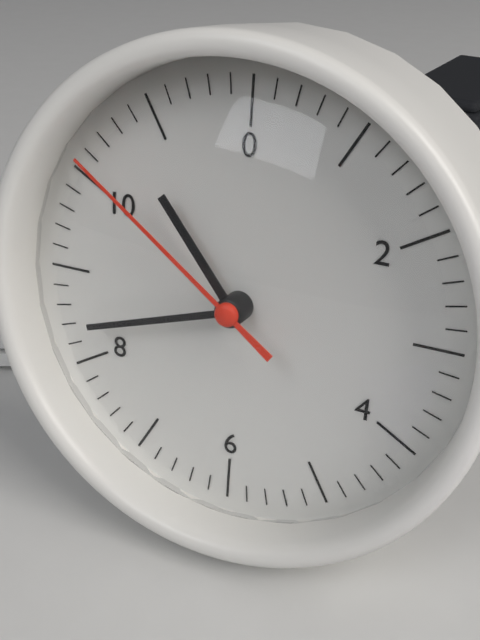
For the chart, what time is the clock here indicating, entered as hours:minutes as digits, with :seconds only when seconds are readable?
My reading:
10:42:51
